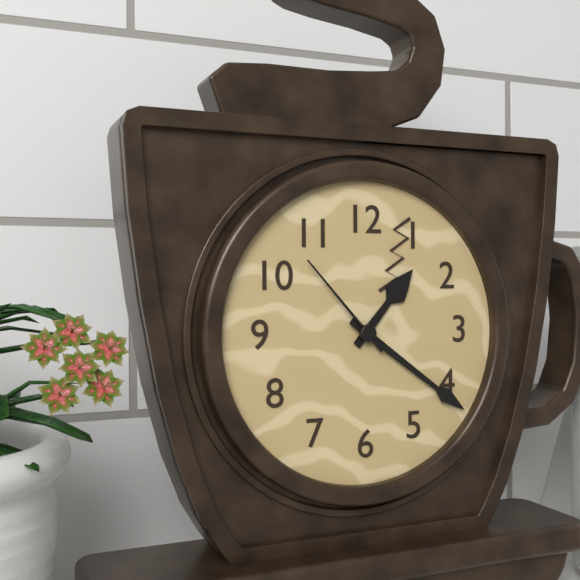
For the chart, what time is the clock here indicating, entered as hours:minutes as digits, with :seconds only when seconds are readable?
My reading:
1:21:53
